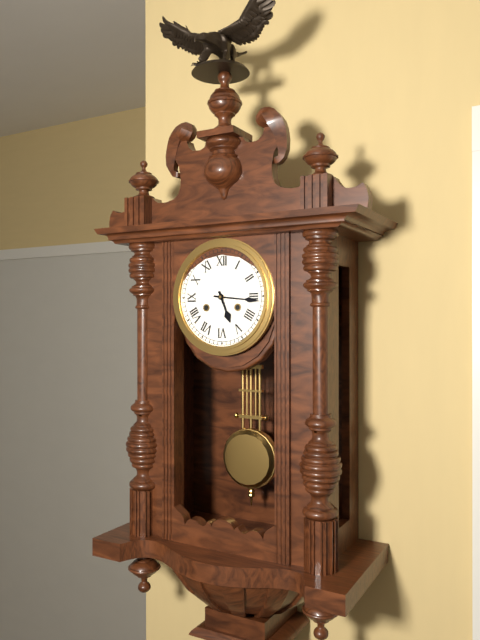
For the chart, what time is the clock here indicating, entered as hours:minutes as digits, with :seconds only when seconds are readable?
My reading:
5:16
